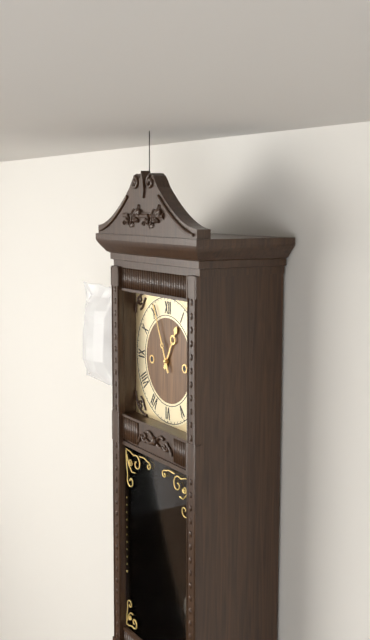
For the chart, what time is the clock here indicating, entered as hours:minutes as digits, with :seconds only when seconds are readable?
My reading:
12:56
